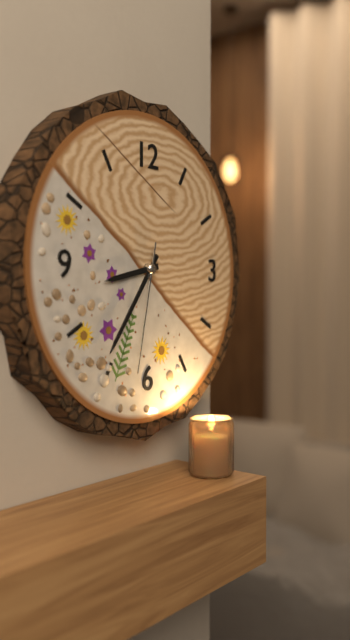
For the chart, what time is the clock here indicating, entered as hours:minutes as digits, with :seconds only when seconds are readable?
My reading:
8:36:32
